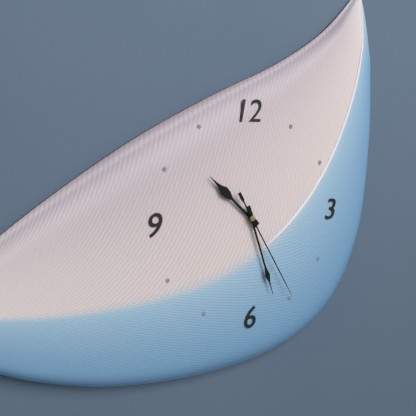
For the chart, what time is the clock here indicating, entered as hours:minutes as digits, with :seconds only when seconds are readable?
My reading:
10:27:25
